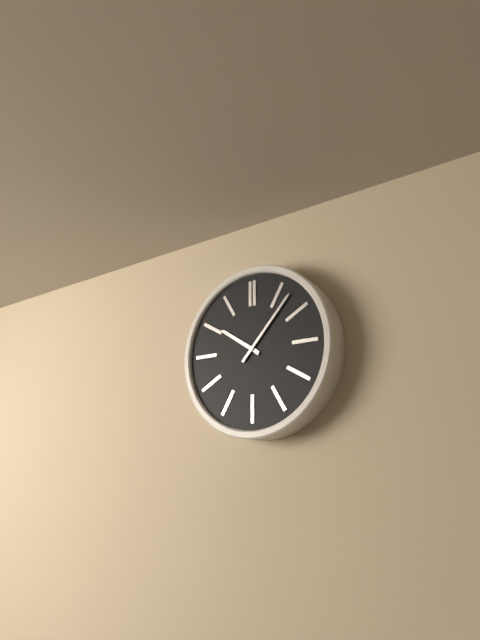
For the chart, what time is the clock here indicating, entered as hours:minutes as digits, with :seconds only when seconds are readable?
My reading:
10:07
